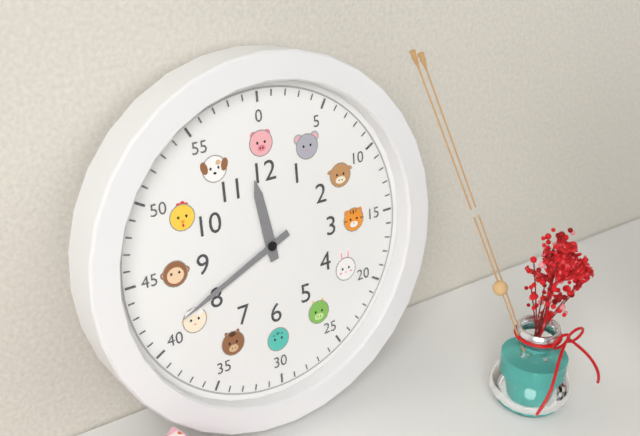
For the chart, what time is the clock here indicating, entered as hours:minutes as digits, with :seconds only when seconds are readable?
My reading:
11:41
